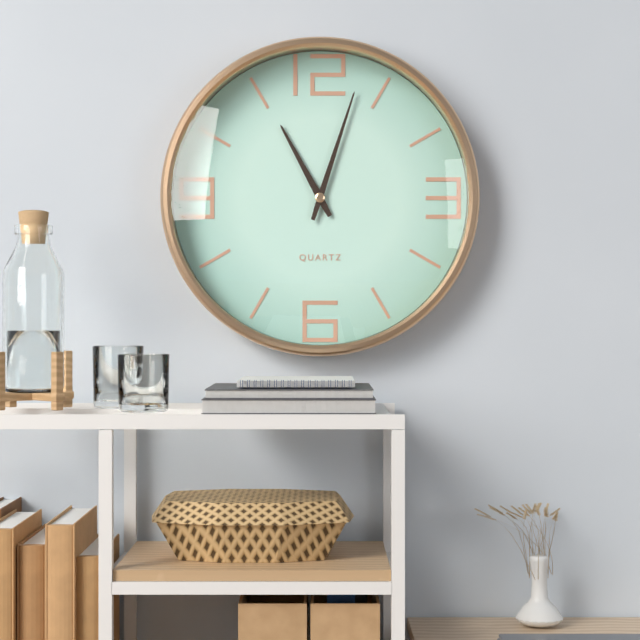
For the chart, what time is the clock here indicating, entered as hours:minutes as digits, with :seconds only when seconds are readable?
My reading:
11:03
